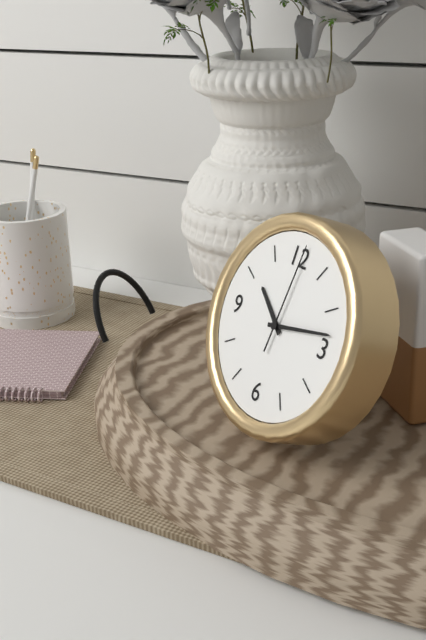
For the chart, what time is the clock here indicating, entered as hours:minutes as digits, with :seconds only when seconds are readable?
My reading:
10:13:01
